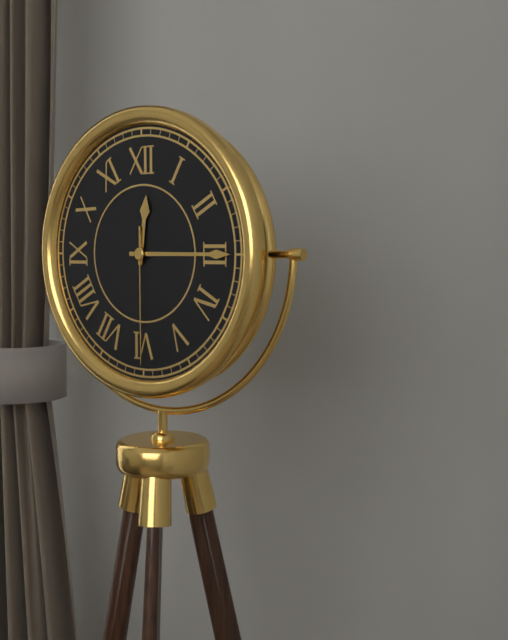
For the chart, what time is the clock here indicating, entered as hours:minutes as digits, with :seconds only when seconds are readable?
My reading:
12:15:30
